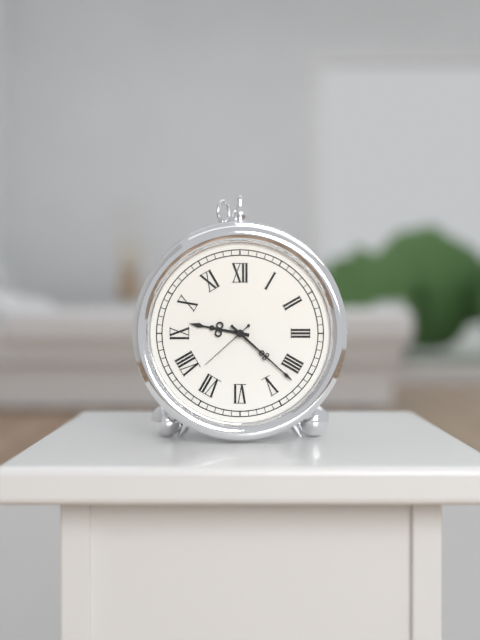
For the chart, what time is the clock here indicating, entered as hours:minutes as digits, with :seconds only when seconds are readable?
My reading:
9:22:38
